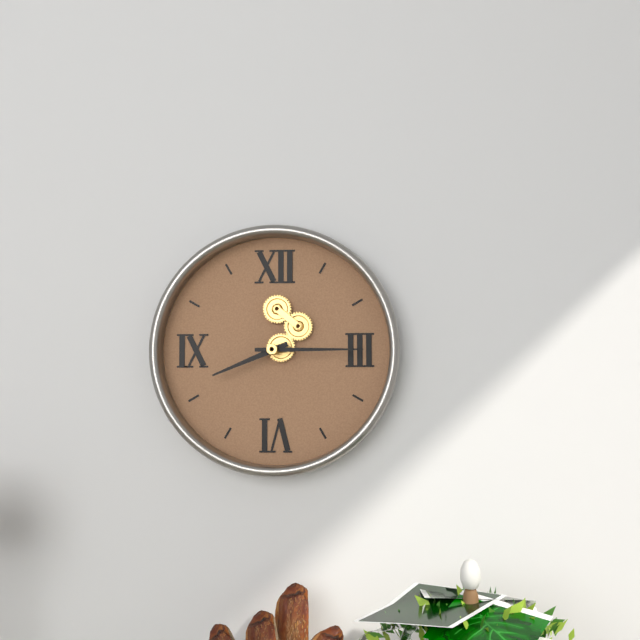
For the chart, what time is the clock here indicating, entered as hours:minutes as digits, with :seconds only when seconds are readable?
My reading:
8:15
